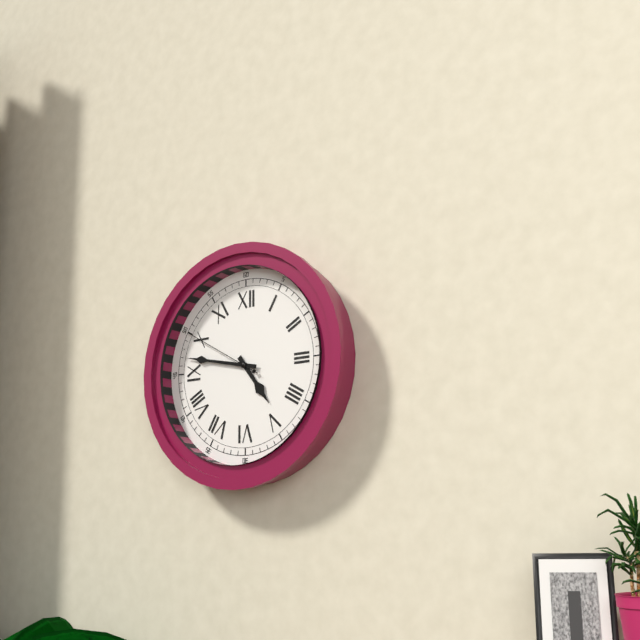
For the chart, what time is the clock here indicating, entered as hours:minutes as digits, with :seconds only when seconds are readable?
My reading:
4:47:50
